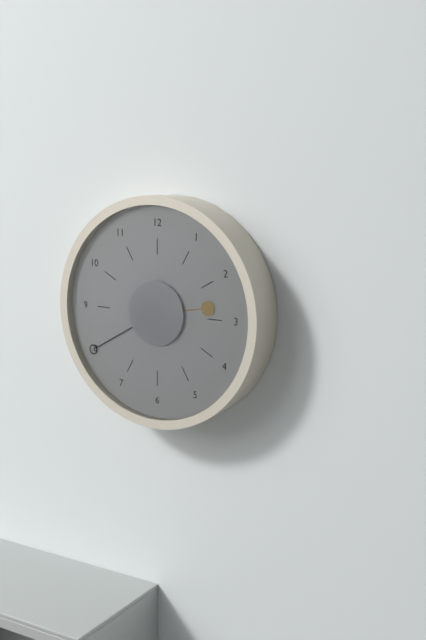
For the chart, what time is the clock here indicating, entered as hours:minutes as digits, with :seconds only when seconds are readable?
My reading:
2:40
